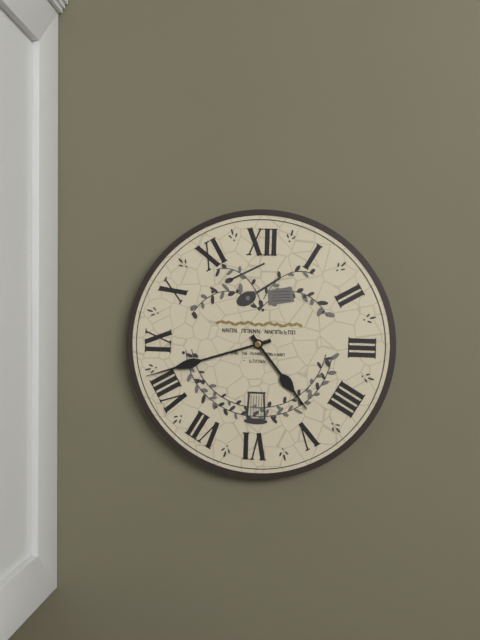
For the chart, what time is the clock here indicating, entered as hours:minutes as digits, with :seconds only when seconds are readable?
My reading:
4:42
